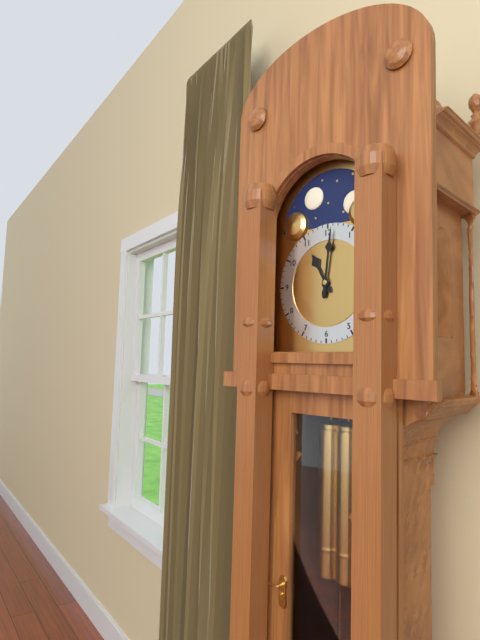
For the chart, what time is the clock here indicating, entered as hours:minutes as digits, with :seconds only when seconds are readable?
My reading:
11:01
